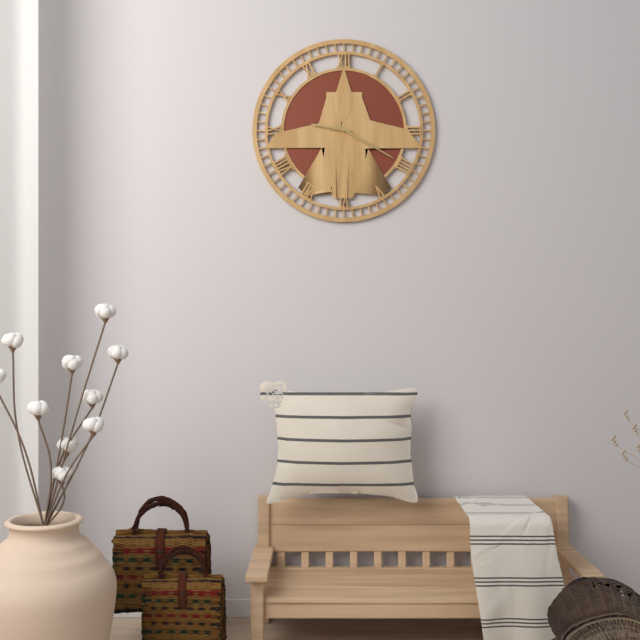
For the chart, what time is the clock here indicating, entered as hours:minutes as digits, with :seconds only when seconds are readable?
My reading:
9:20
